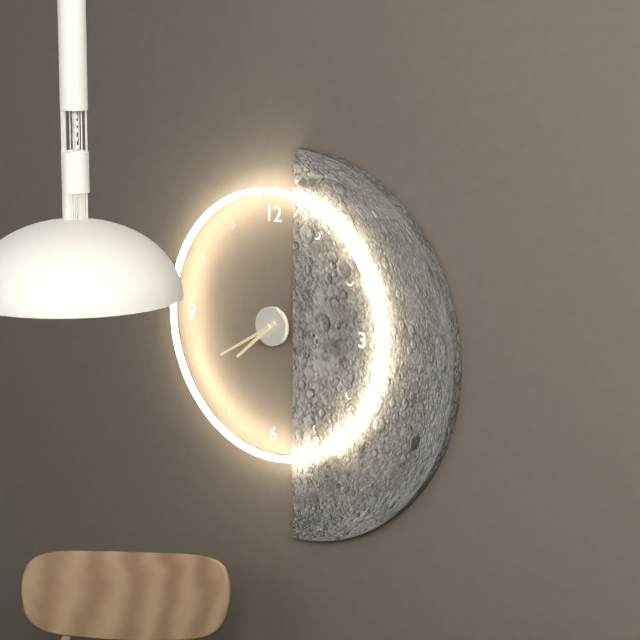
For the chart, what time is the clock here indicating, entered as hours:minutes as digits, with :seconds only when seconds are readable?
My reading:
7:40
